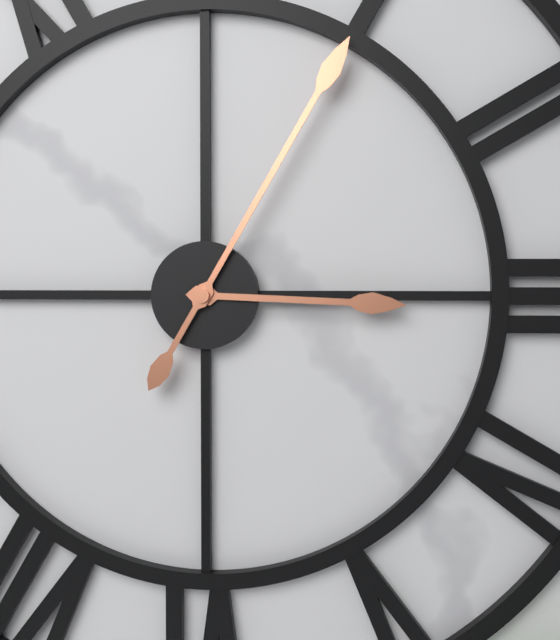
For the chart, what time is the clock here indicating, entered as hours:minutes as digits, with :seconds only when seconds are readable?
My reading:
3:05
